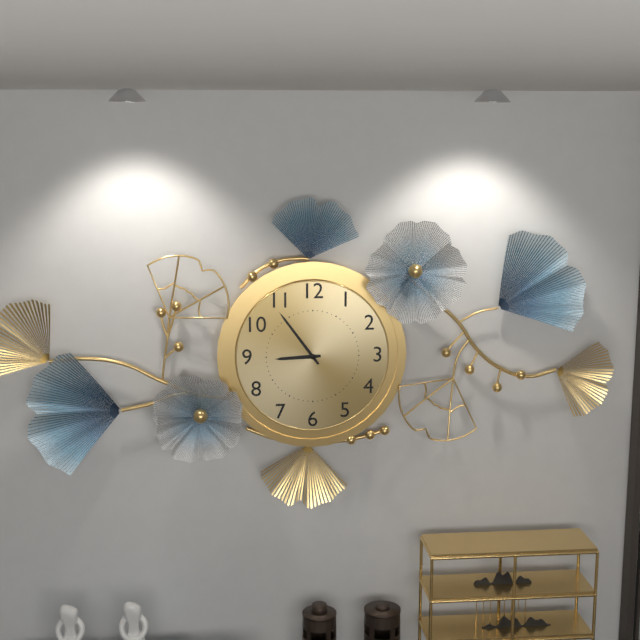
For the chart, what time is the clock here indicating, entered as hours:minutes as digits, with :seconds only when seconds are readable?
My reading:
8:54
